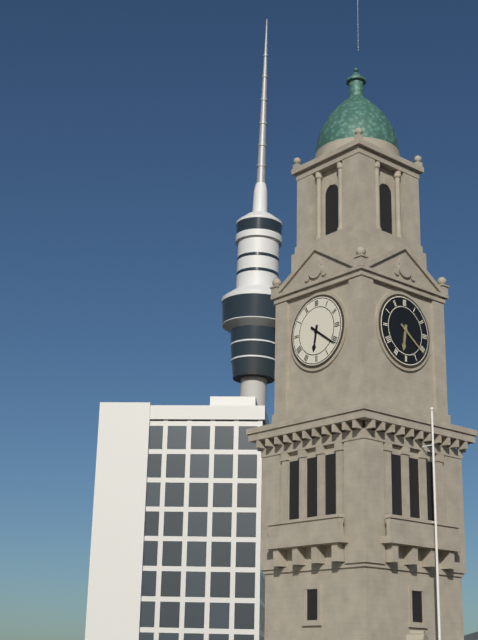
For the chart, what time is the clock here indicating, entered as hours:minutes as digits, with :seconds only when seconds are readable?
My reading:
6:21
